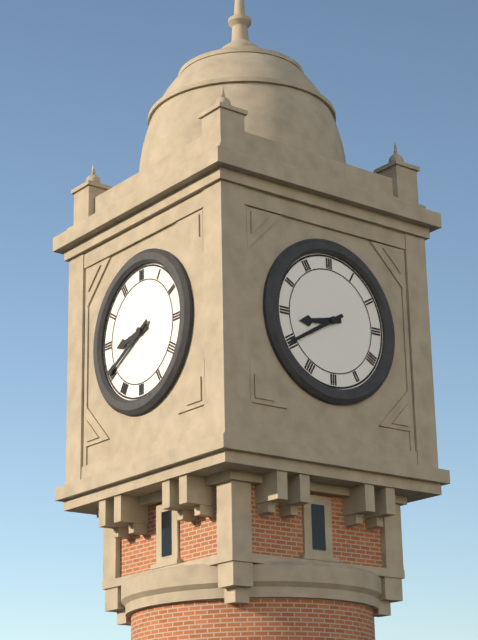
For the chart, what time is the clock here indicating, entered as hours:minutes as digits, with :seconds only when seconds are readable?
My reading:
8:40
